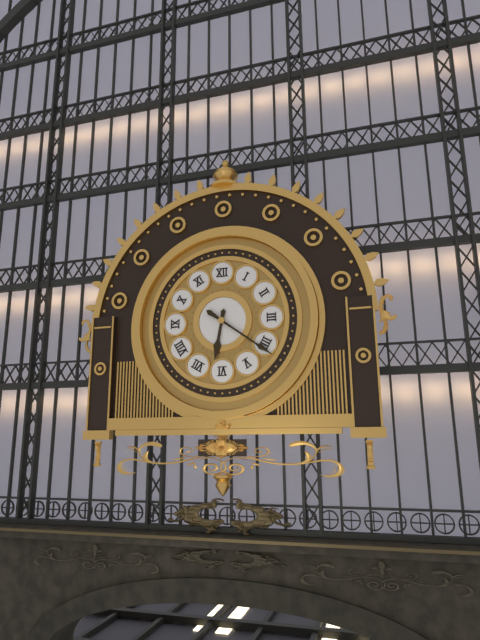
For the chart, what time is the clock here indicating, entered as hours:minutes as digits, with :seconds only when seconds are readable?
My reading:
6:21
